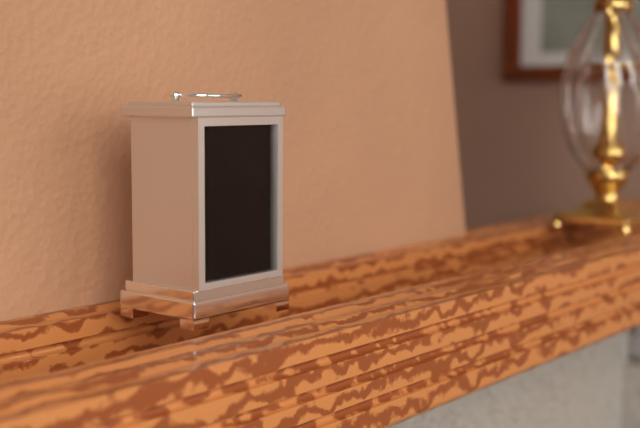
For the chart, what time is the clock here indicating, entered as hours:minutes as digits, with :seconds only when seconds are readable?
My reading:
7:33
